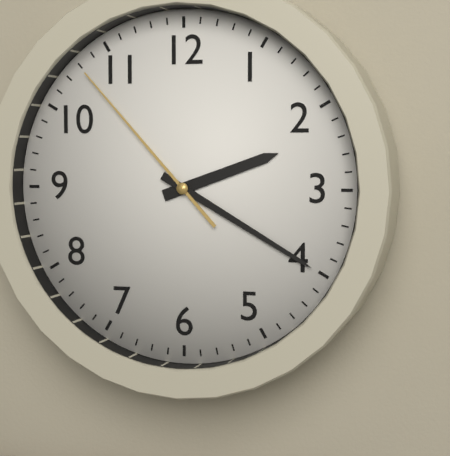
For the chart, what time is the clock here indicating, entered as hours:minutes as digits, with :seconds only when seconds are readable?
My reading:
2:20:53
